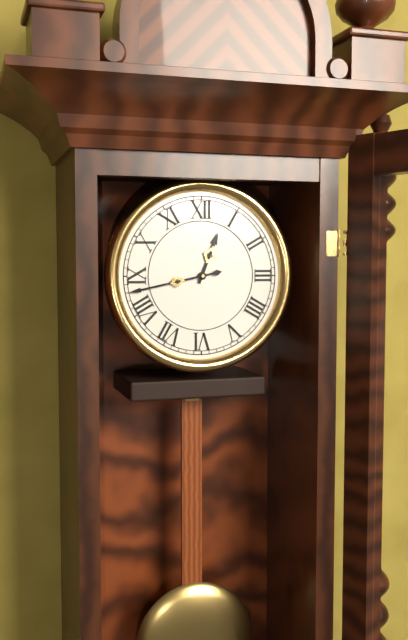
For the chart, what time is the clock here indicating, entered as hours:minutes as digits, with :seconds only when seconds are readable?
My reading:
12:43
